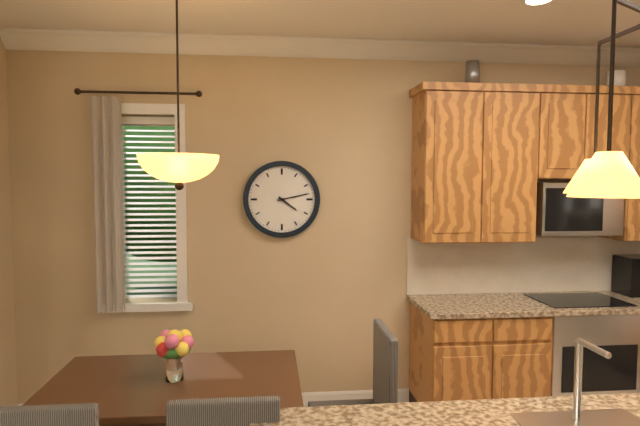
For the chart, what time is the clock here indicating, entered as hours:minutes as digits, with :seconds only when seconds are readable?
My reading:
4:13
